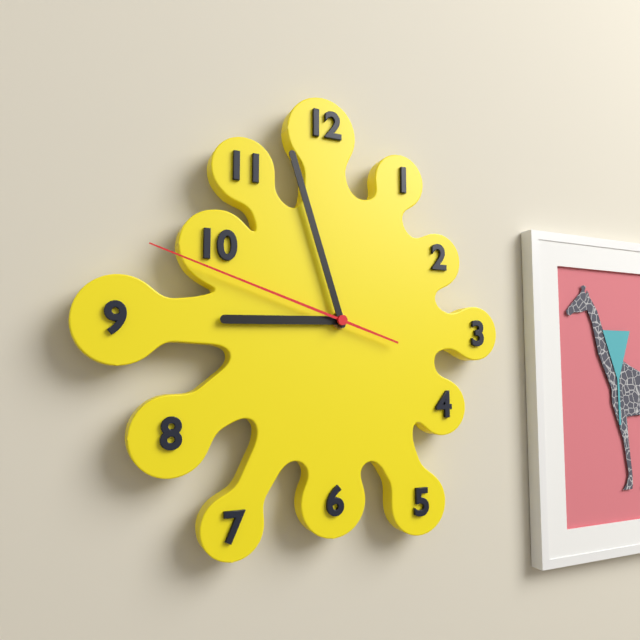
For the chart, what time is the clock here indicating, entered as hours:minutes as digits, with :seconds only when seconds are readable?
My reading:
8:57:48
